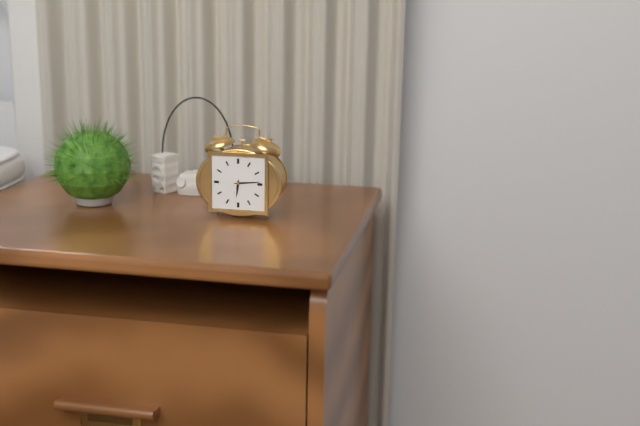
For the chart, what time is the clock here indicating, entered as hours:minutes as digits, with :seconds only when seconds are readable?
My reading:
6:14
